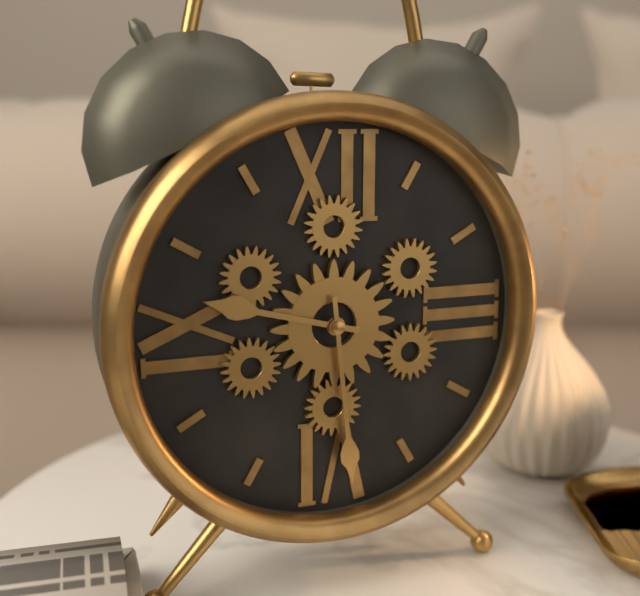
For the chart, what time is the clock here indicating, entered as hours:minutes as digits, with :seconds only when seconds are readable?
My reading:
9:29
